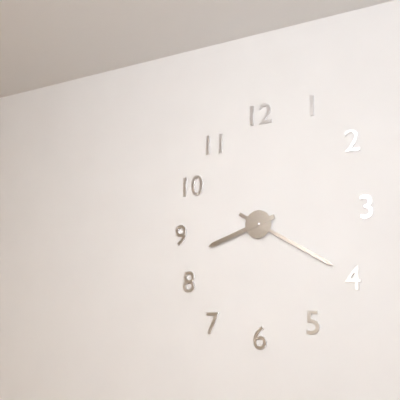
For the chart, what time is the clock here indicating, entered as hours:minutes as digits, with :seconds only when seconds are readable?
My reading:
8:20
